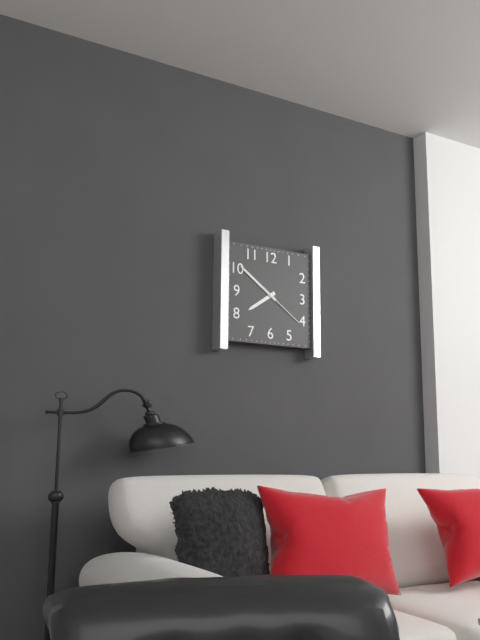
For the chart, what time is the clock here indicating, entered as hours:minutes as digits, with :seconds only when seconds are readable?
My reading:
7:51
